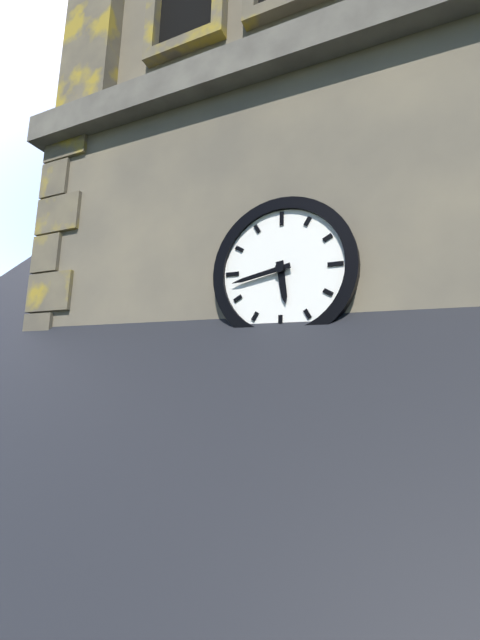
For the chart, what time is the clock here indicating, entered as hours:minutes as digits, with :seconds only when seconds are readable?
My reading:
5:43
